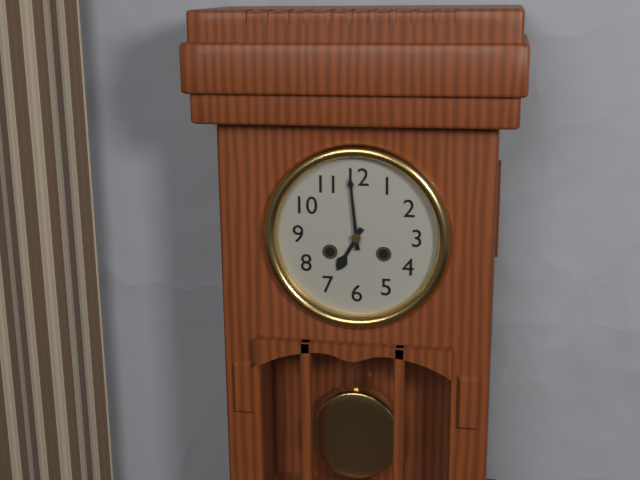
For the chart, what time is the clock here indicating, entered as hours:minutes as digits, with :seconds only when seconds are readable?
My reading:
6:59
